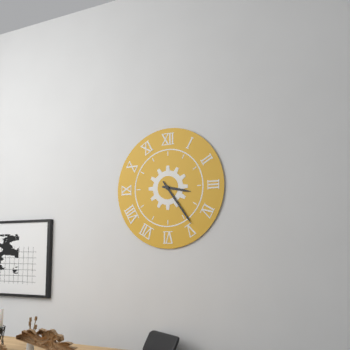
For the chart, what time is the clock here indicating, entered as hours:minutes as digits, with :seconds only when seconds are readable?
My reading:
3:24
